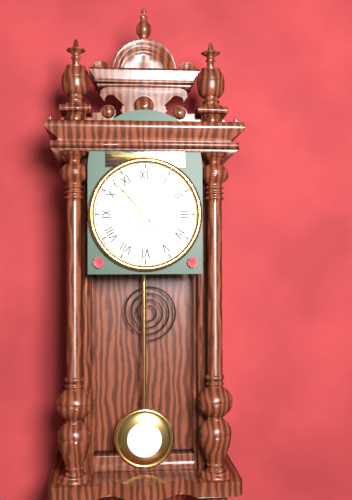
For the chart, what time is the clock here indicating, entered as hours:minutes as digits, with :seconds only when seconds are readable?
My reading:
12:53
